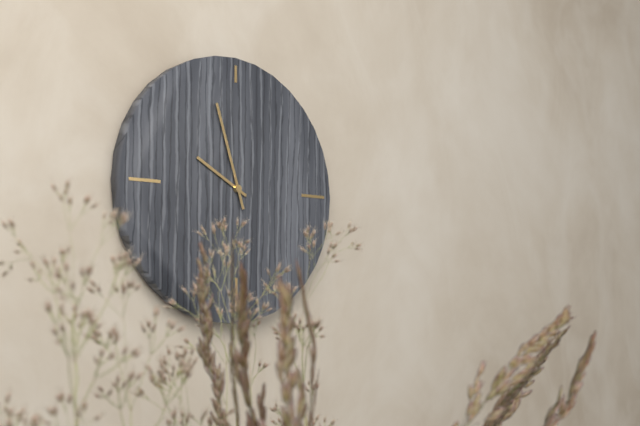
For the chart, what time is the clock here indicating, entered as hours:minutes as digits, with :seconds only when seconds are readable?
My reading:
9:57
